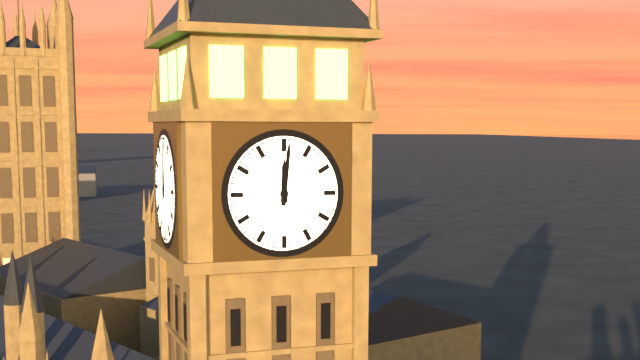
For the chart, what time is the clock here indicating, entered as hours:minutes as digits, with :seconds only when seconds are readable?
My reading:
12:01
